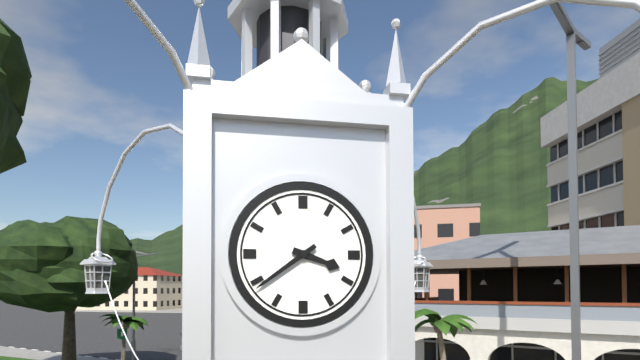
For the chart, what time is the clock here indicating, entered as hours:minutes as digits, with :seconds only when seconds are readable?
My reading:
3:39
